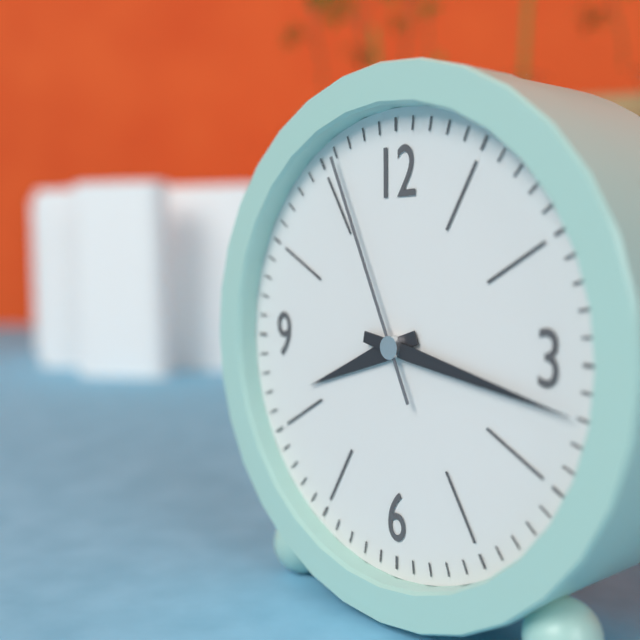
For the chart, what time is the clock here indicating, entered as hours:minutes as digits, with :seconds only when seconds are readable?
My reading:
8:17:56
